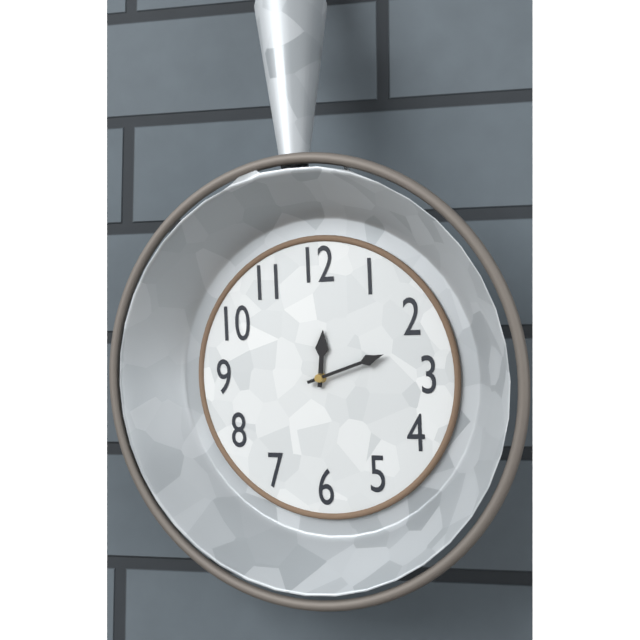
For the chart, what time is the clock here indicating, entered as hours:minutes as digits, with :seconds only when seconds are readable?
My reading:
12:12
